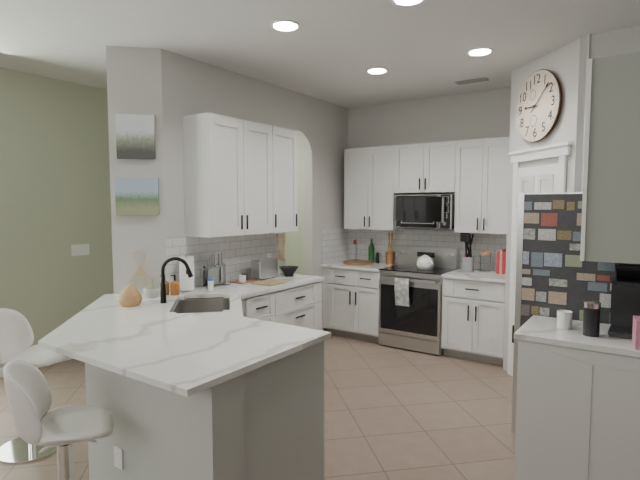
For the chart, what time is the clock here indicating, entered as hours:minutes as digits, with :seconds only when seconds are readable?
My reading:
9:08
